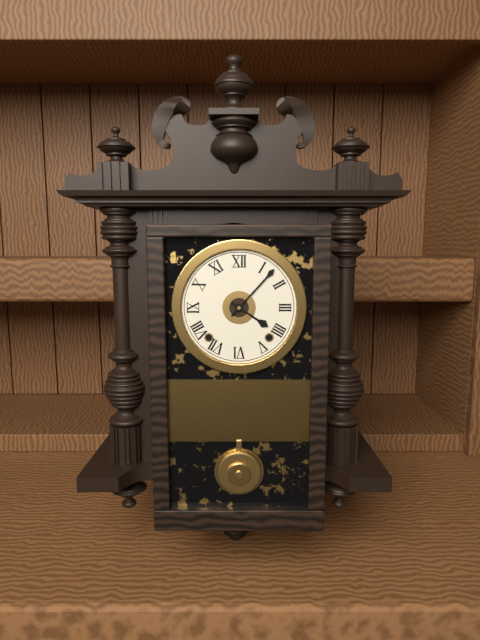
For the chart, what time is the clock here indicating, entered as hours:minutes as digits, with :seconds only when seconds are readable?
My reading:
4:07
